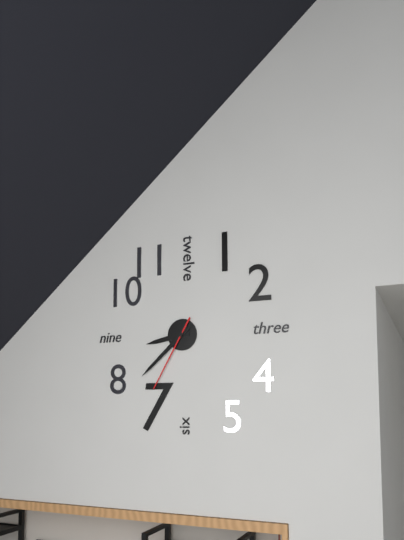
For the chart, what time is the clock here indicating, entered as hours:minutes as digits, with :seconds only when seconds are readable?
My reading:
8:38:35
